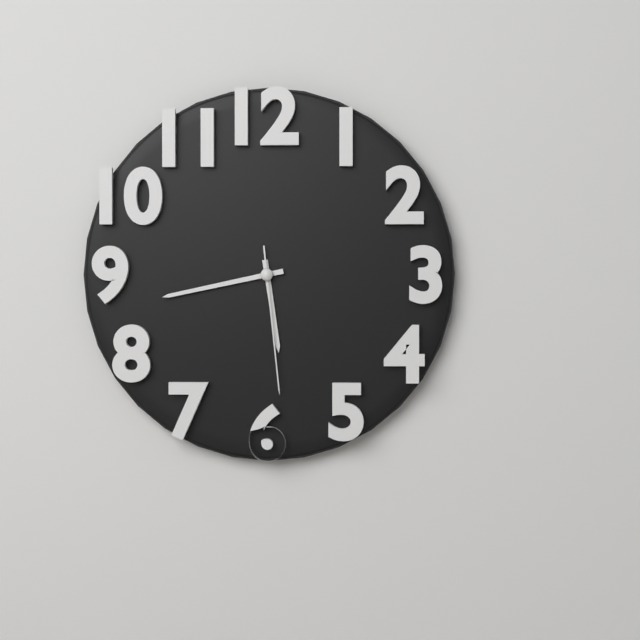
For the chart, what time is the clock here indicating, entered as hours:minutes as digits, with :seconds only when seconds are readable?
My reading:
5:43:29
